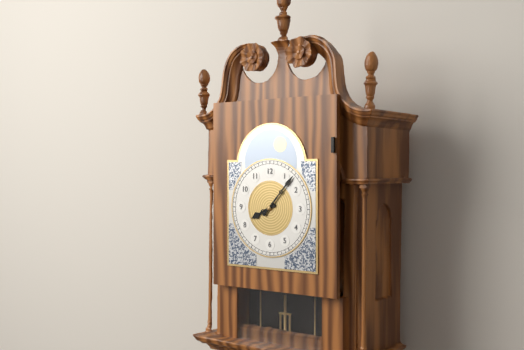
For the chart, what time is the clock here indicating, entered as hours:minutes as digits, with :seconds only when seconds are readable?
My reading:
8:07
